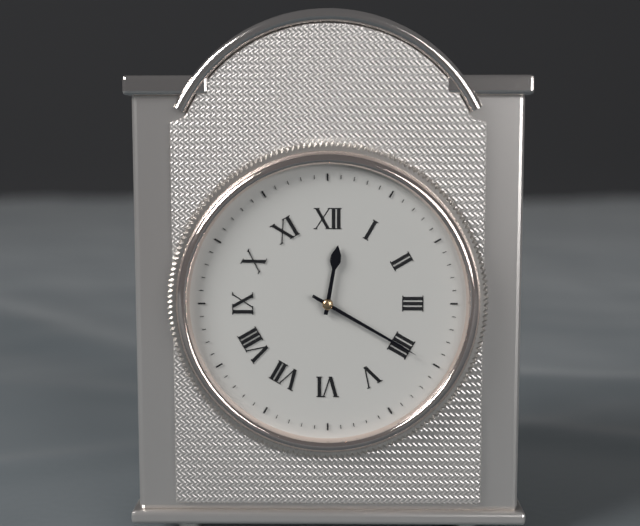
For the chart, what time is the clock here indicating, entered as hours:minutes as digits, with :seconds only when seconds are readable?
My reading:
12:20
